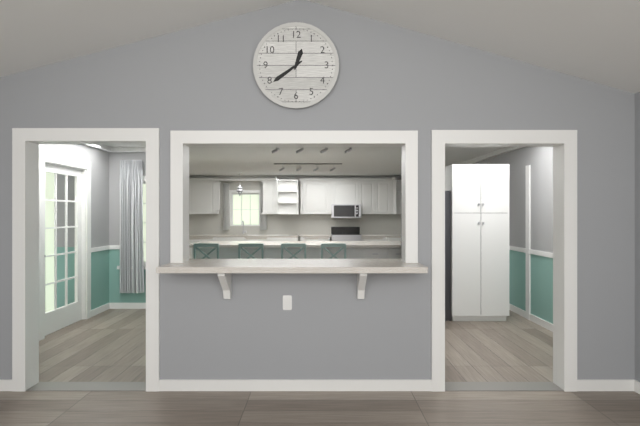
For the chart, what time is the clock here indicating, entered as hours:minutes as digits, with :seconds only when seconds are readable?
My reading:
12:39
